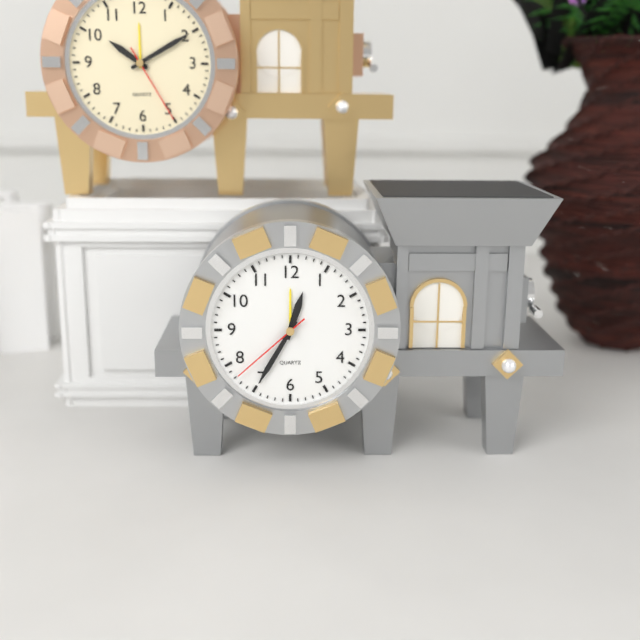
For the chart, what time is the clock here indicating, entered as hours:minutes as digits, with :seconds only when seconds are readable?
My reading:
12:35:38
